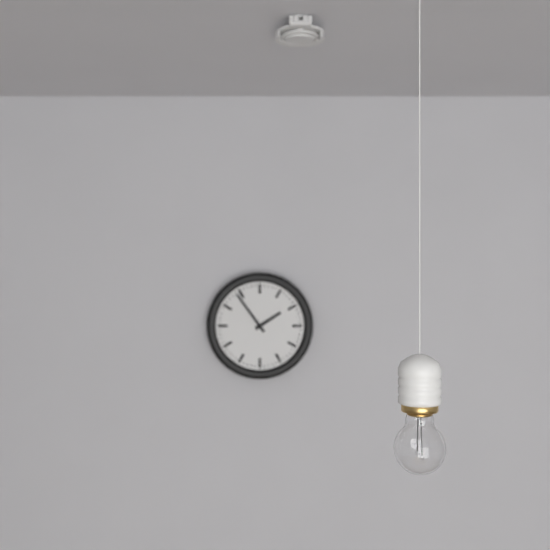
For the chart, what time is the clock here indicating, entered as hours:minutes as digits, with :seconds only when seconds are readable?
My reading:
1:54
